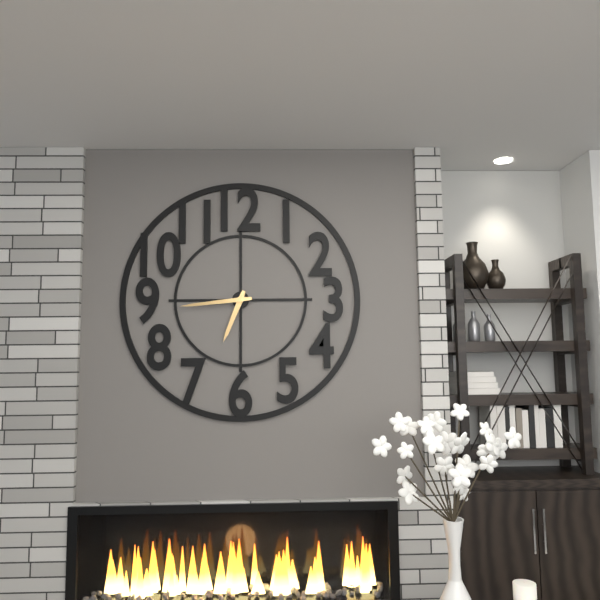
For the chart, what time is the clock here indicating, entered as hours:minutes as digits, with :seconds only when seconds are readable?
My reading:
6:44
